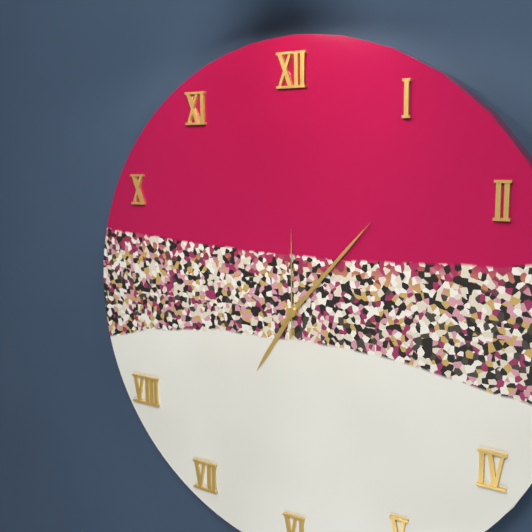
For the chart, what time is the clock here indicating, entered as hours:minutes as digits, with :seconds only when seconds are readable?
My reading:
7:07:00
